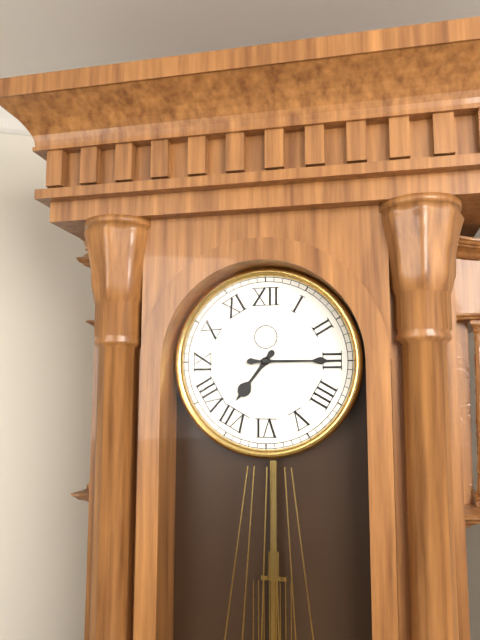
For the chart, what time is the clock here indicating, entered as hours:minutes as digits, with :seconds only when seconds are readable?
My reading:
7:15
